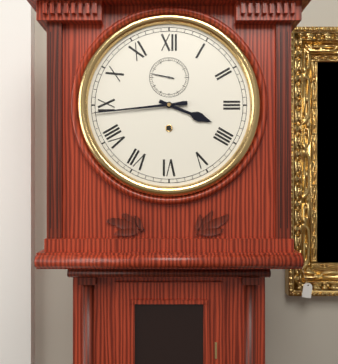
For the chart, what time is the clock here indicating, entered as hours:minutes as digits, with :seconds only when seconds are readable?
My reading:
3:44
